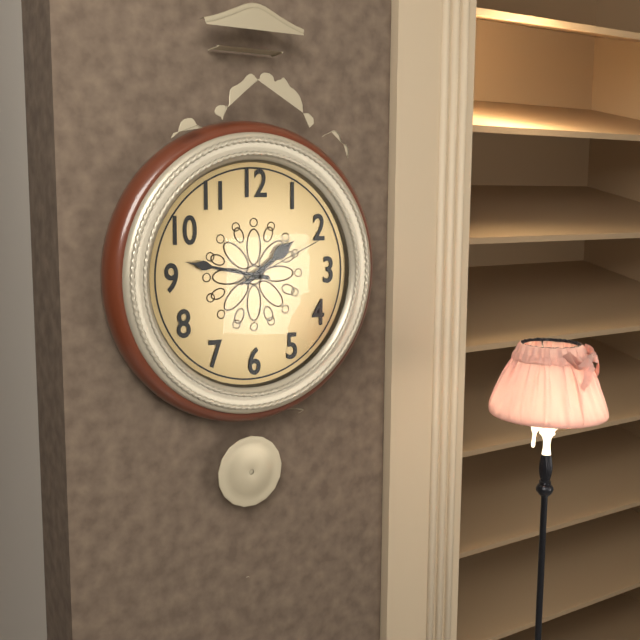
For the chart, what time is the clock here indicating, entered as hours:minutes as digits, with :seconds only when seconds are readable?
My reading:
1:47:11
